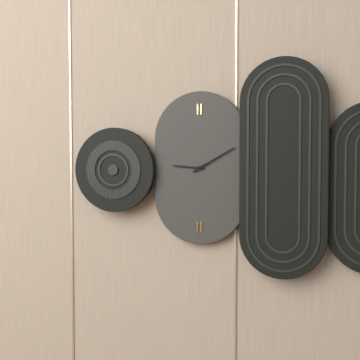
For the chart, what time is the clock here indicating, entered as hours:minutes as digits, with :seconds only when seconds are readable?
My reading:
9:10
